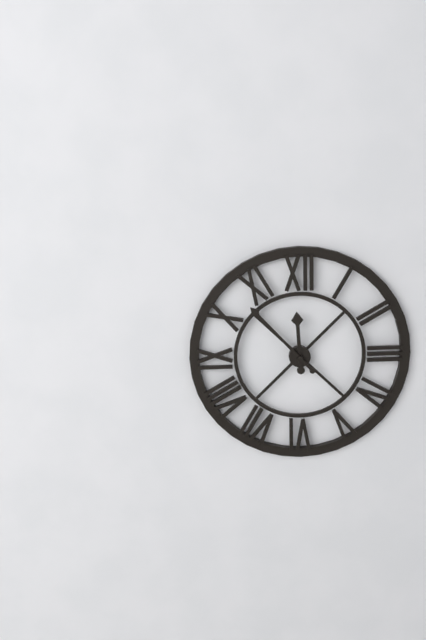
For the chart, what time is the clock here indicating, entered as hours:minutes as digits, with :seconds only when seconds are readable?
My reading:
11:53
